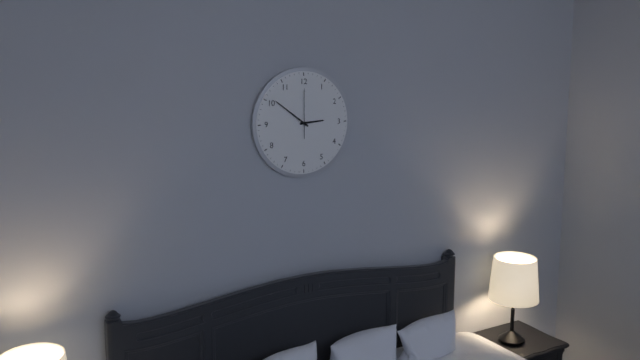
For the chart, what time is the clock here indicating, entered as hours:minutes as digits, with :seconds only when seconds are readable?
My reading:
2:51
